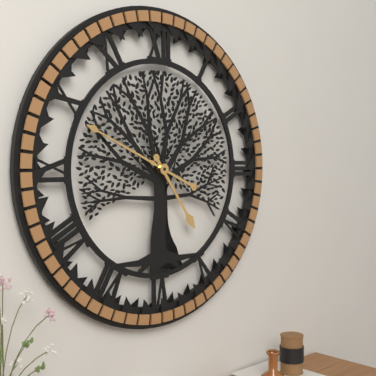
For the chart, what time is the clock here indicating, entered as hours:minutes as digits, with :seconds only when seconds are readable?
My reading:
4:49
